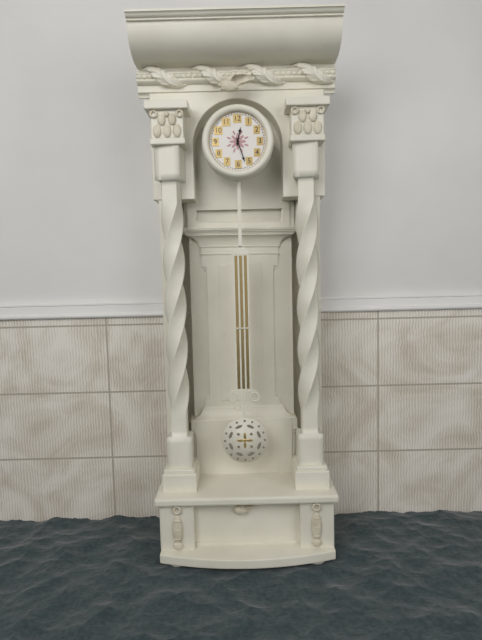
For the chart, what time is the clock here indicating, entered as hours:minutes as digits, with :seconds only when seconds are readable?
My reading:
12:27
